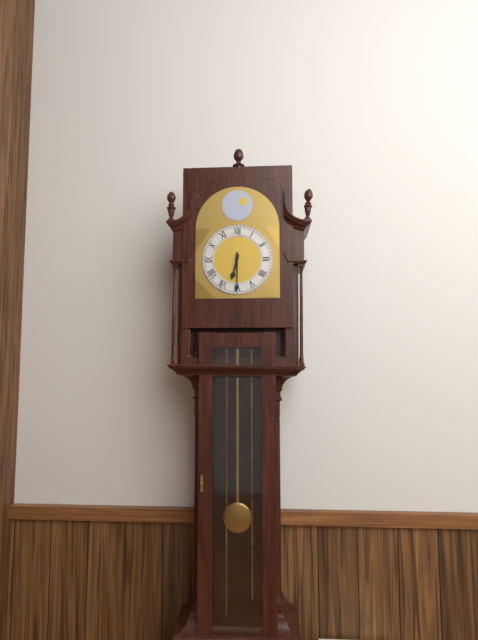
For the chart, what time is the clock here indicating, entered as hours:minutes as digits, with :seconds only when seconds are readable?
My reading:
6:30
